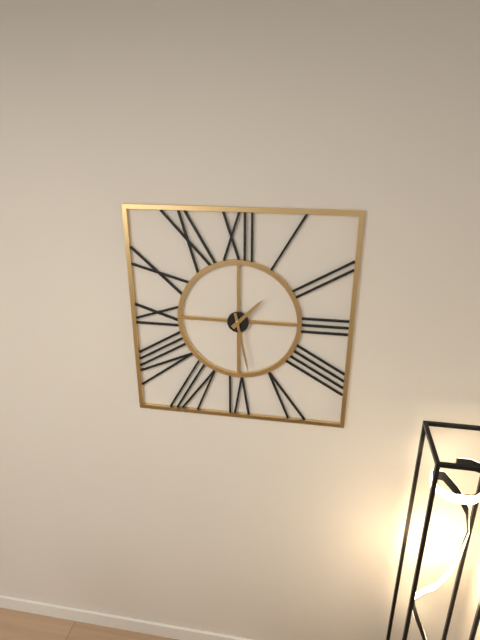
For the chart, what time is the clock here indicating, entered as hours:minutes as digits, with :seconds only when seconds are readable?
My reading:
1:28
